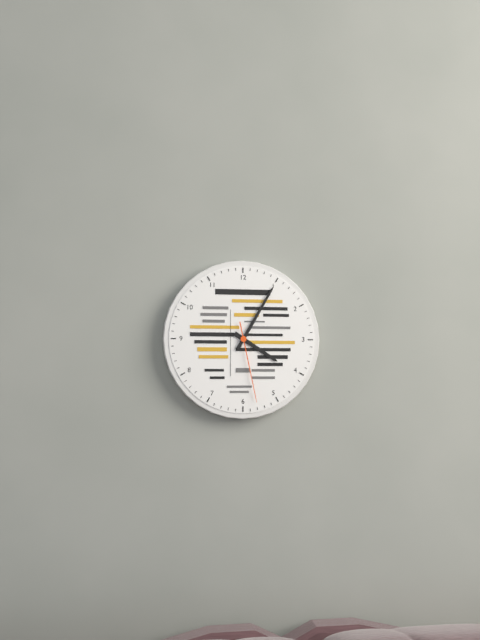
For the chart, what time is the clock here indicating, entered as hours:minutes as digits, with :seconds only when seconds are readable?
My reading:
4:05:28
